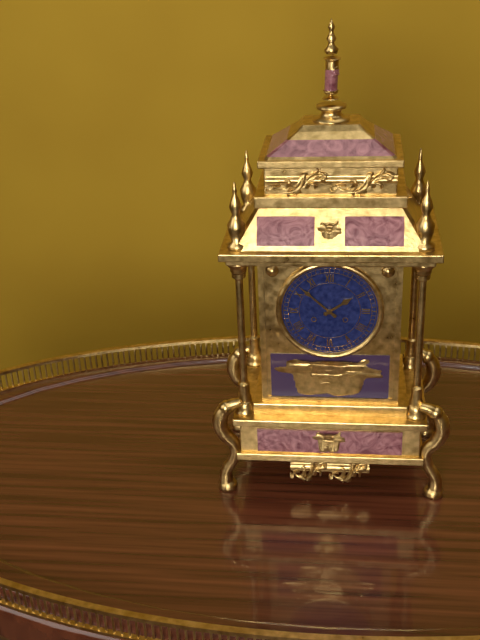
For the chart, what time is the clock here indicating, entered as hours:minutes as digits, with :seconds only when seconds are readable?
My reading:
1:52
